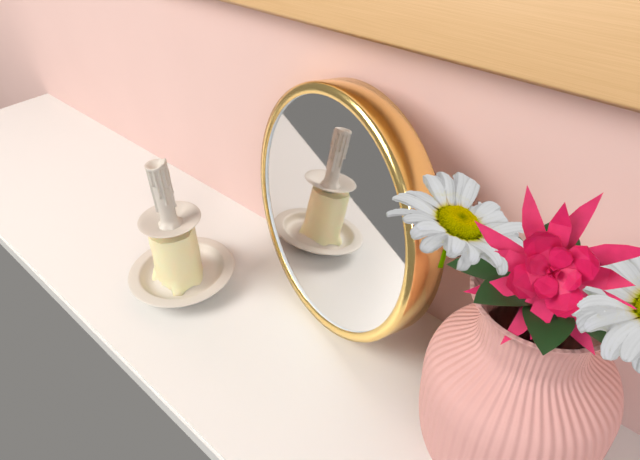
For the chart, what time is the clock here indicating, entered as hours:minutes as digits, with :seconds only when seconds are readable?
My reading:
4:40:32
